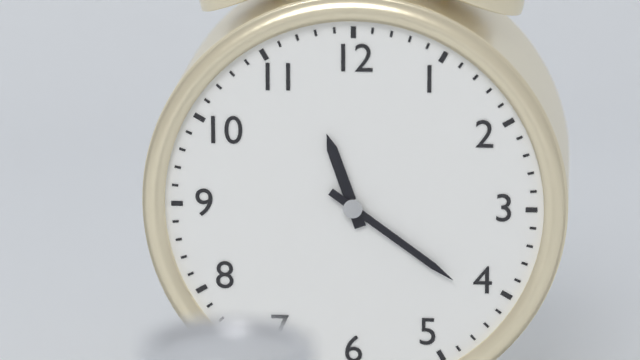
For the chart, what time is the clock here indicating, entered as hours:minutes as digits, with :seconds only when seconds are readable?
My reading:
11:21
